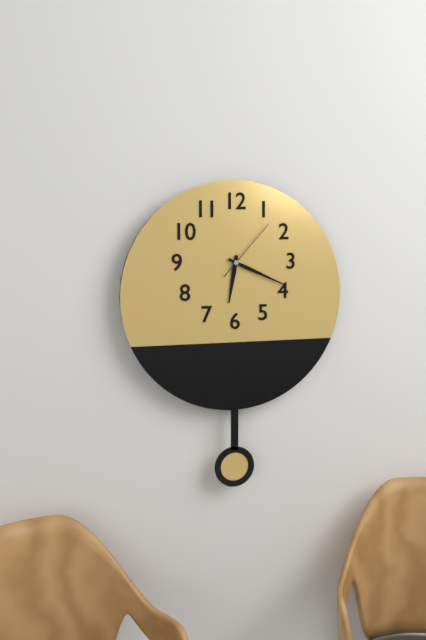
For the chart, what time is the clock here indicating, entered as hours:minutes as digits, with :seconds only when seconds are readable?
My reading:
6:19:07
